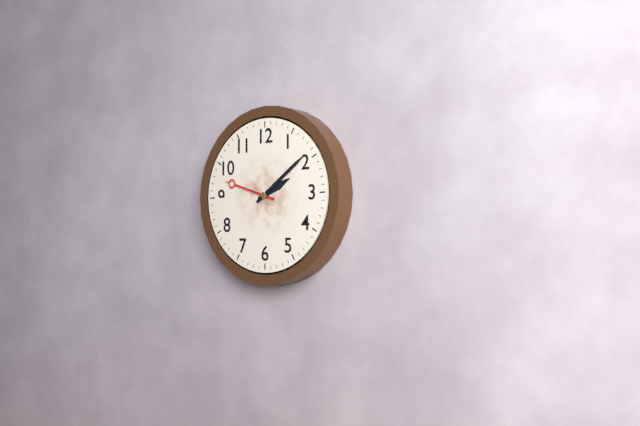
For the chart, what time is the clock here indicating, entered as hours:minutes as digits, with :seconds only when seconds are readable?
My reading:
2:09:48
